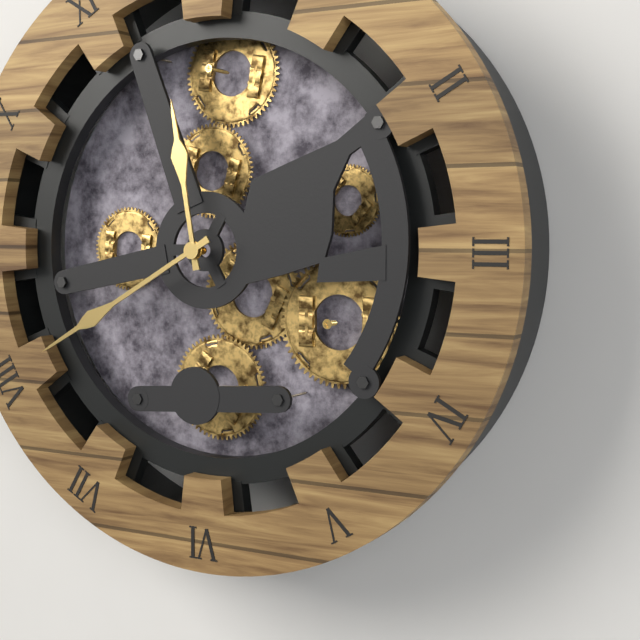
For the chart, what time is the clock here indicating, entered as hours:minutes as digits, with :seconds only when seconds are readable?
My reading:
11:40
